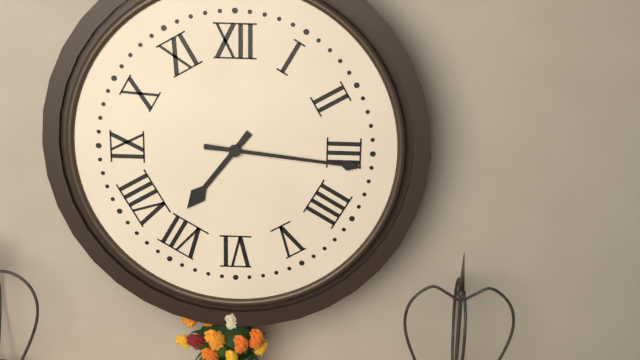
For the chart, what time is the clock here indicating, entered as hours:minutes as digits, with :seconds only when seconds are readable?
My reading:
7:16
